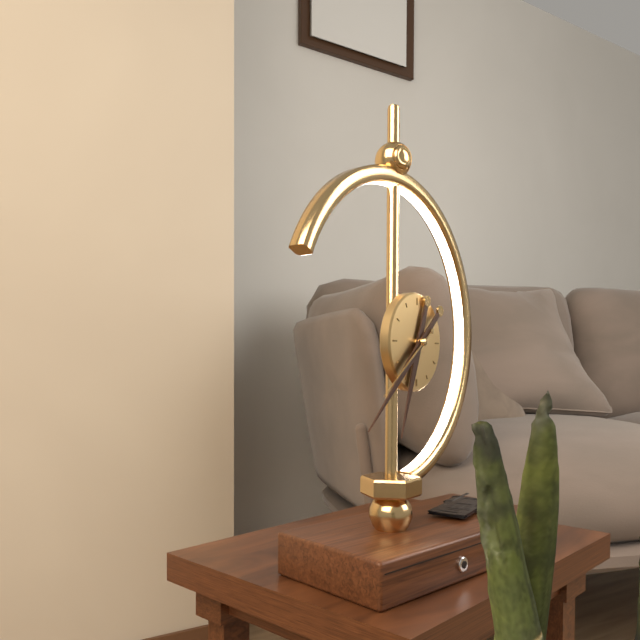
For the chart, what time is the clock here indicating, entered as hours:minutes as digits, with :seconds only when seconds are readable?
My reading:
6:38:39
